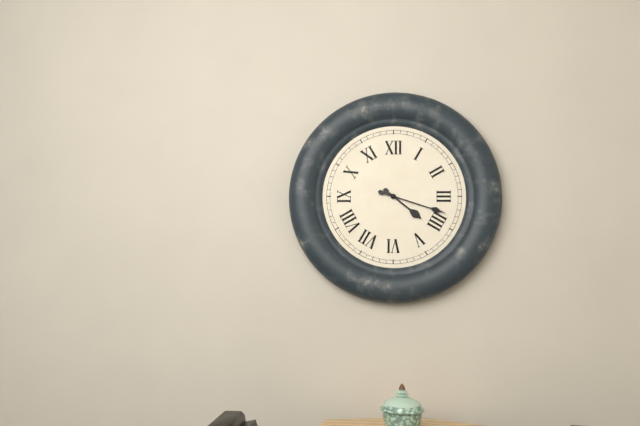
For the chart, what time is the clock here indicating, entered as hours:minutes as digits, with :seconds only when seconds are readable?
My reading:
4:18
